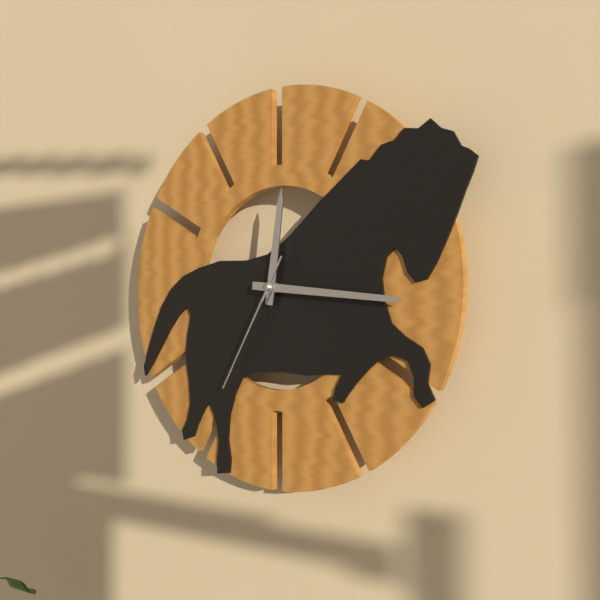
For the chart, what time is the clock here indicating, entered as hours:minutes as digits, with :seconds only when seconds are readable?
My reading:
12:16:35
